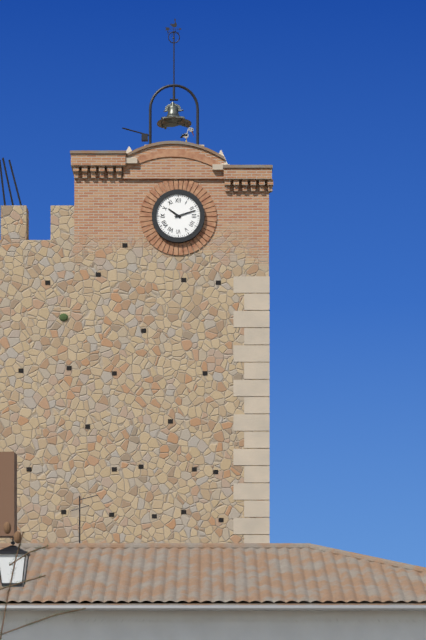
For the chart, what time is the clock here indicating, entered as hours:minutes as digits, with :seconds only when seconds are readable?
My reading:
10:12
